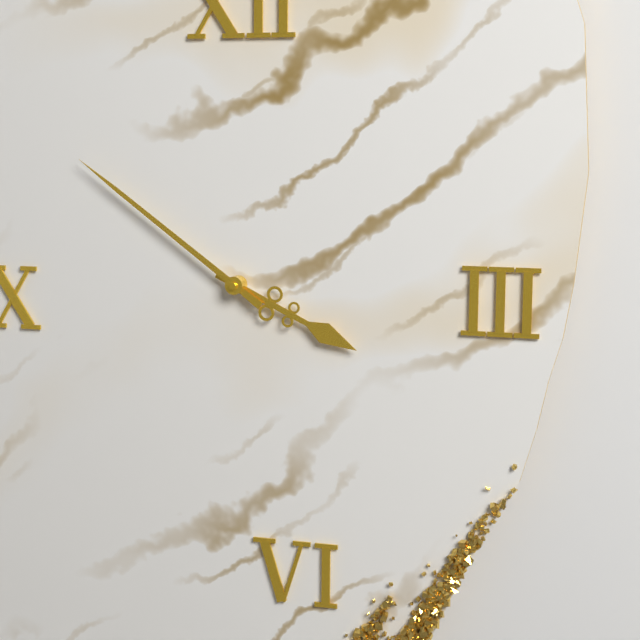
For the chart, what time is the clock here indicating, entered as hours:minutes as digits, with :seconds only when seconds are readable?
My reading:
3:51
